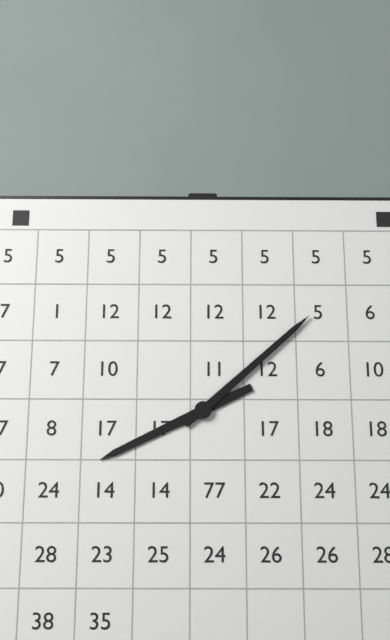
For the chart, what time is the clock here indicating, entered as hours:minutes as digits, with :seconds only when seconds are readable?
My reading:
8:08
